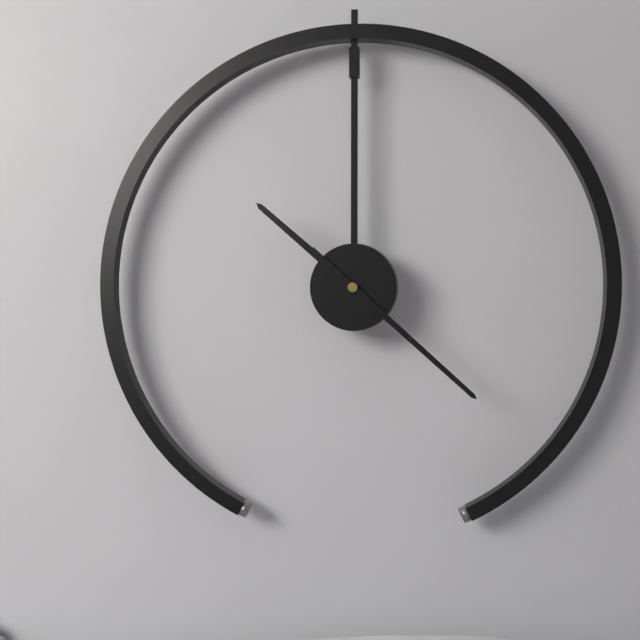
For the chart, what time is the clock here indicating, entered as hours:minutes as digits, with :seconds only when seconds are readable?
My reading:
10:22
